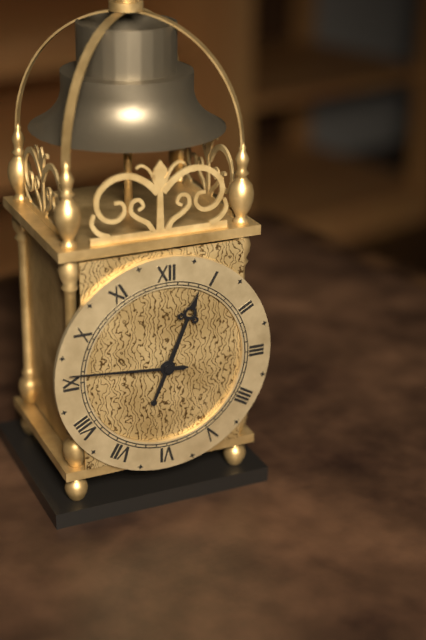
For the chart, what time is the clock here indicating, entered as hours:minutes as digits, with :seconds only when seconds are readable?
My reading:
12:46
